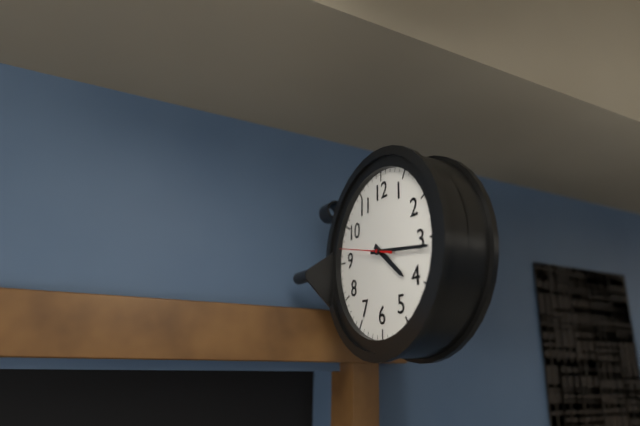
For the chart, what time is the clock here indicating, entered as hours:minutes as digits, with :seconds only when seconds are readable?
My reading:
4:16:47
